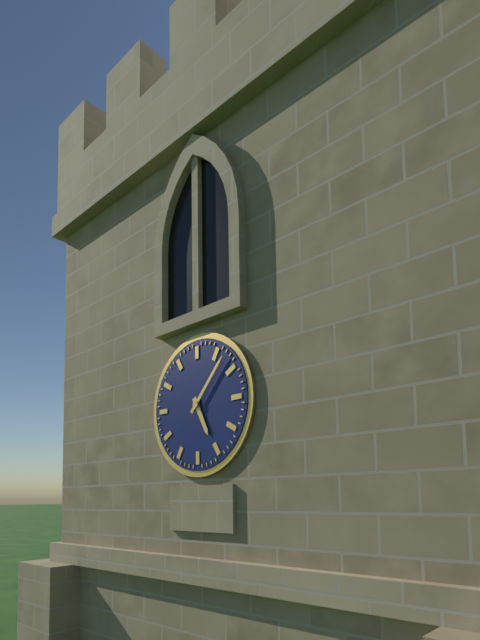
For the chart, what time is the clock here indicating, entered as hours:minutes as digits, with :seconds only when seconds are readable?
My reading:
5:07
